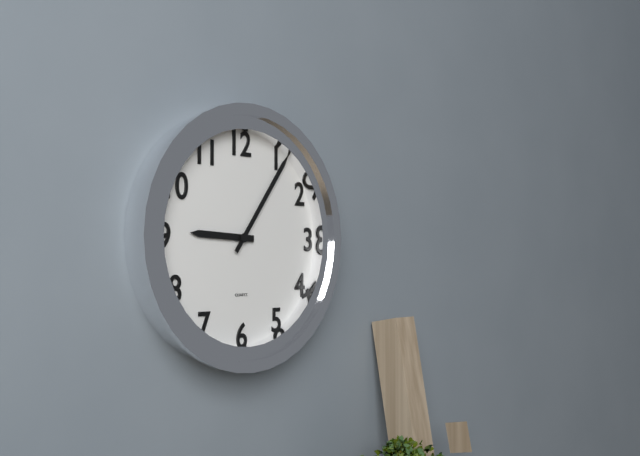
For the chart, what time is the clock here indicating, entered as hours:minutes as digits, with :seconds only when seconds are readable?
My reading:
9:06
